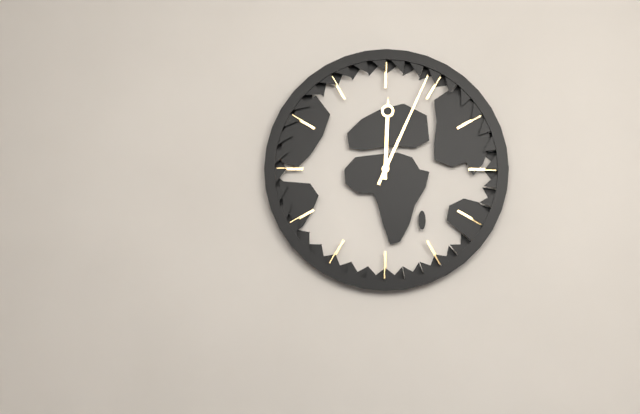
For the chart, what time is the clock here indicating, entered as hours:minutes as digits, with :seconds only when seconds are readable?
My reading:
12:04
